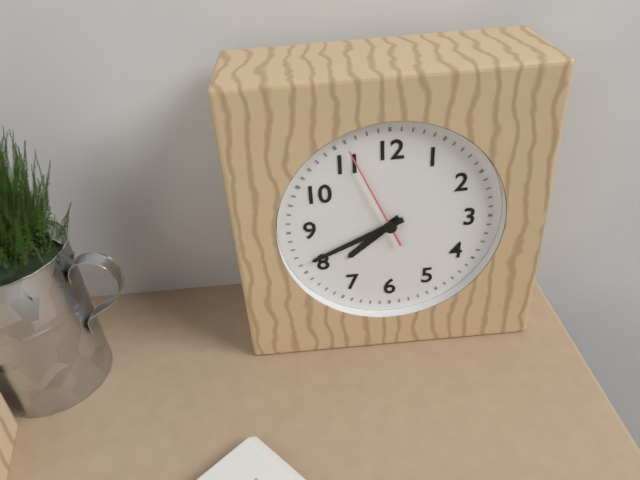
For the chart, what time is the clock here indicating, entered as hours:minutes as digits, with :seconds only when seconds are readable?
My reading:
7:41:56
